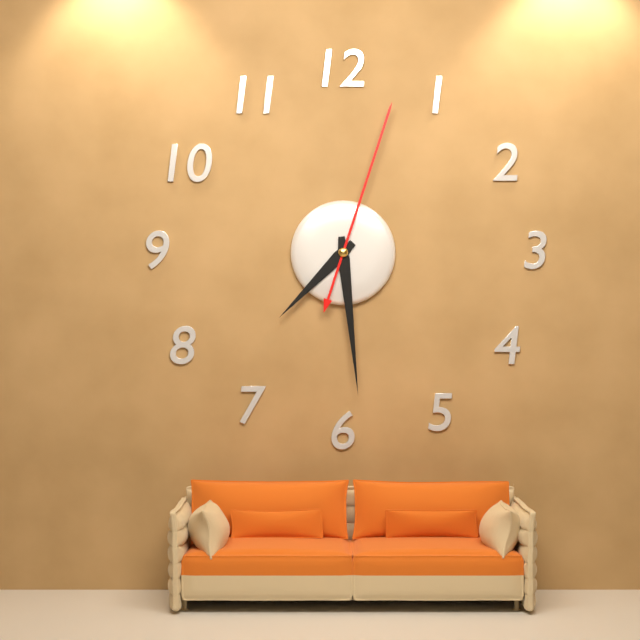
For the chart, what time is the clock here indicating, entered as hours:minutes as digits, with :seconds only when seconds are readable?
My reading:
7:29:03
